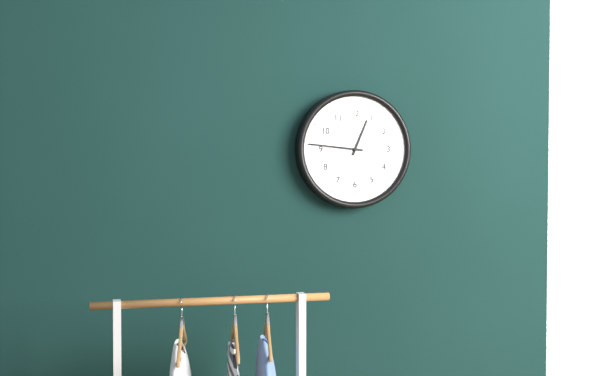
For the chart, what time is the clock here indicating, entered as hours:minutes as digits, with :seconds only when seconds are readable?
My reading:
12:46
